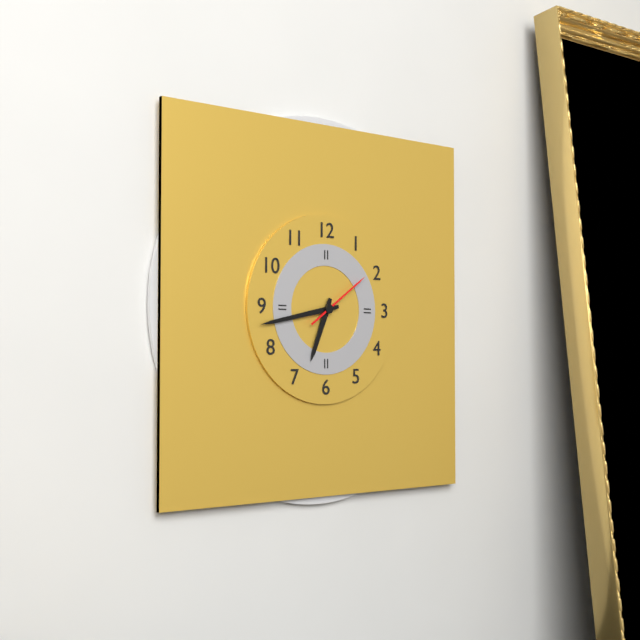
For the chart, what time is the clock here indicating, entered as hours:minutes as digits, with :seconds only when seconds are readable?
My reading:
6:43:09
